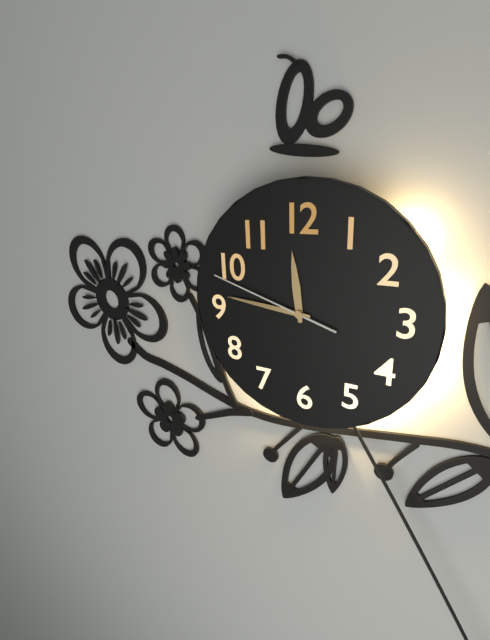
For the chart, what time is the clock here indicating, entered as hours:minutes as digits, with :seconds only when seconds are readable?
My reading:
11:46:48
